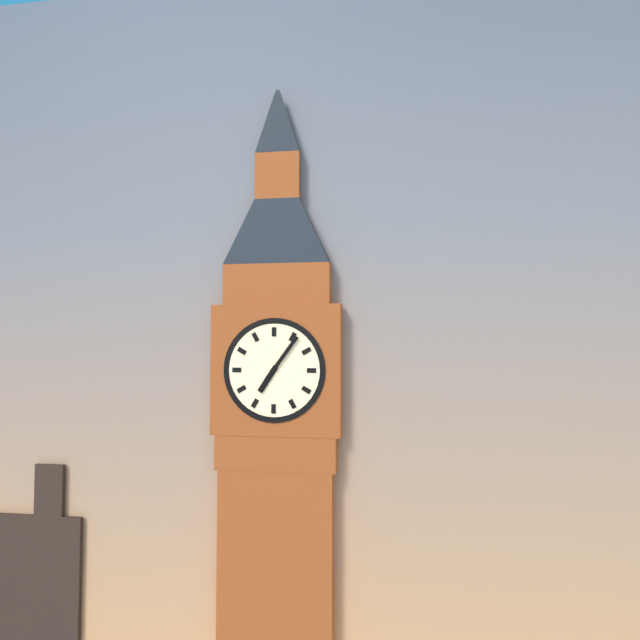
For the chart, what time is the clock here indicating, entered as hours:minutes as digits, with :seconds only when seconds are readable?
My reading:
7:06
